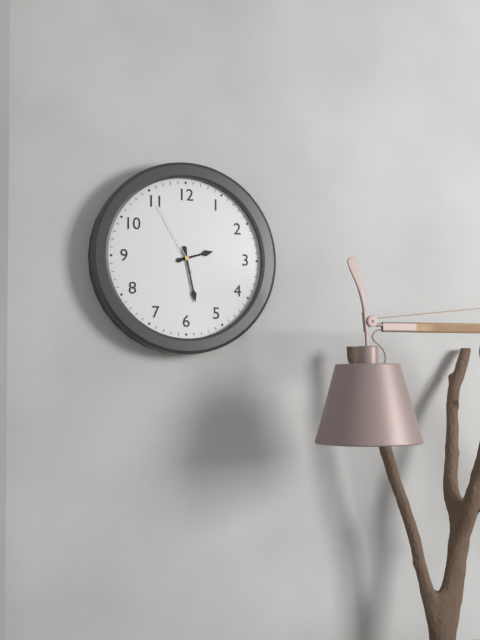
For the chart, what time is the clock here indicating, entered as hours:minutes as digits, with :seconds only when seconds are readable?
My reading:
2:28:55
